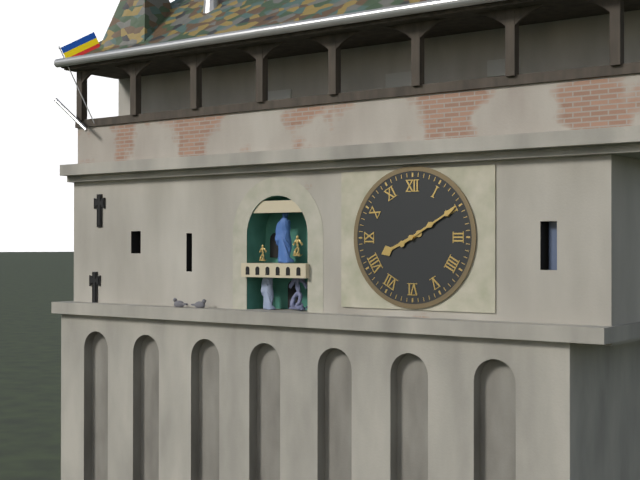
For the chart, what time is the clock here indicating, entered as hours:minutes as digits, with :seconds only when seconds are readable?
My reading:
8:10
